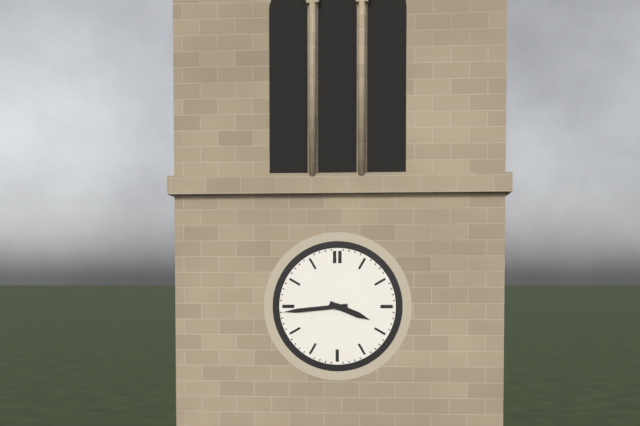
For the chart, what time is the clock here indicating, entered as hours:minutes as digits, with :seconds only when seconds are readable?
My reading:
3:44
